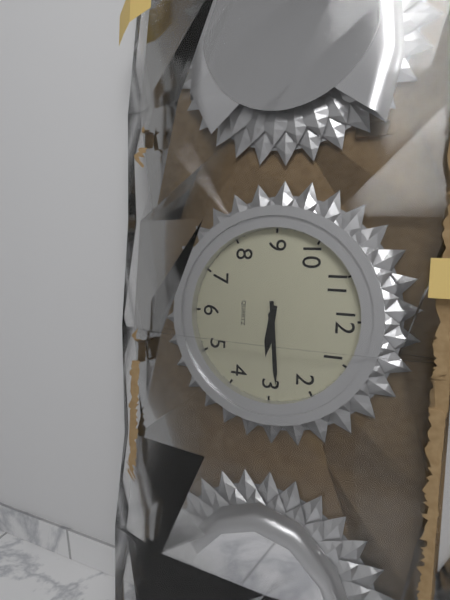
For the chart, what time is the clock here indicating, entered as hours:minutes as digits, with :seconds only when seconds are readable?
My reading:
3:14
